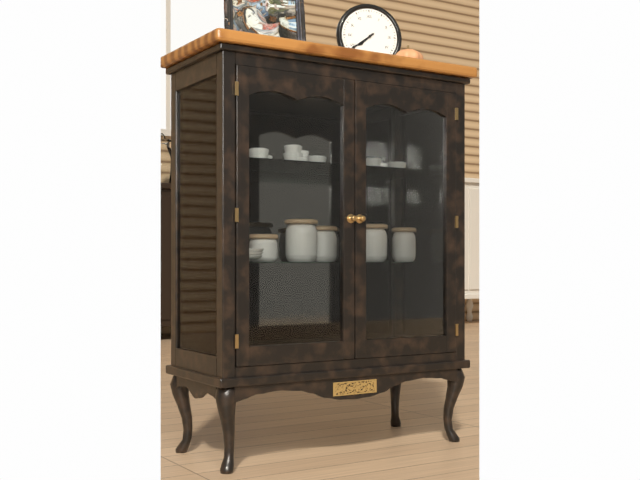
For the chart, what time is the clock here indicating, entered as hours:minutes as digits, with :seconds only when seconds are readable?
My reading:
7:39
